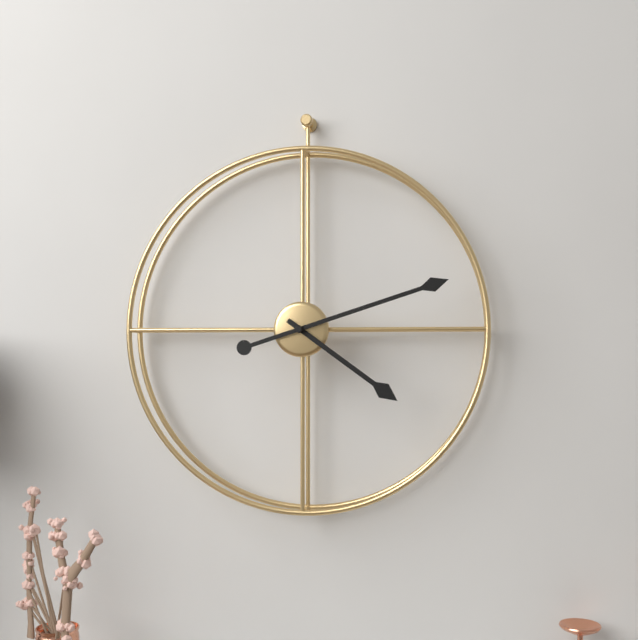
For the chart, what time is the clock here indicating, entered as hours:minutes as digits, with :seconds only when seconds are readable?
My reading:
4:12
